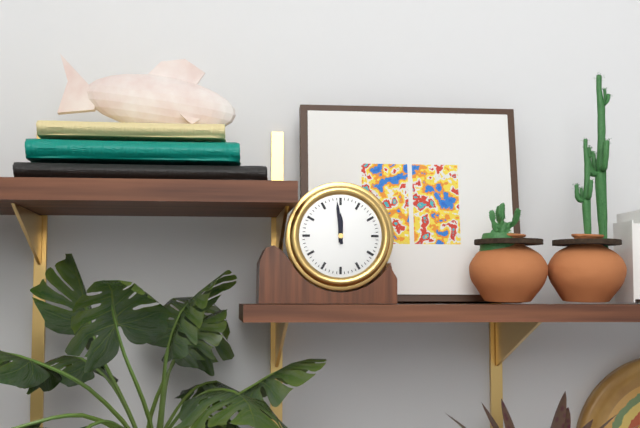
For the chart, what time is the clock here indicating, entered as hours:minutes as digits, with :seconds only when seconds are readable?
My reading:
11:59
